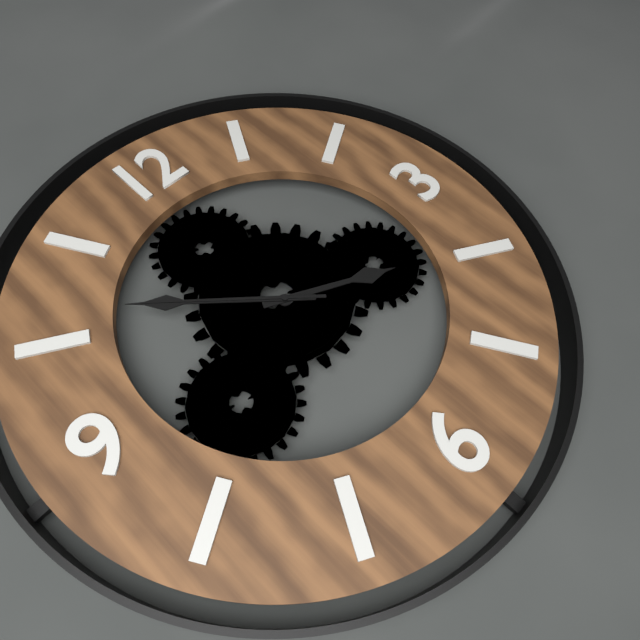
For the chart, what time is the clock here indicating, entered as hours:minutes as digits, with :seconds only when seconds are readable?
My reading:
3:52:52
